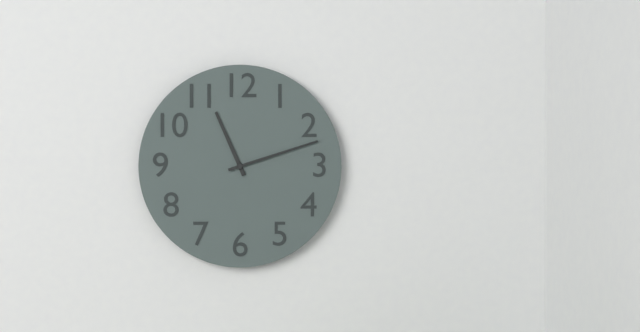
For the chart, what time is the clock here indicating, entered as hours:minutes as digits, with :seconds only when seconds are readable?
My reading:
11:12
